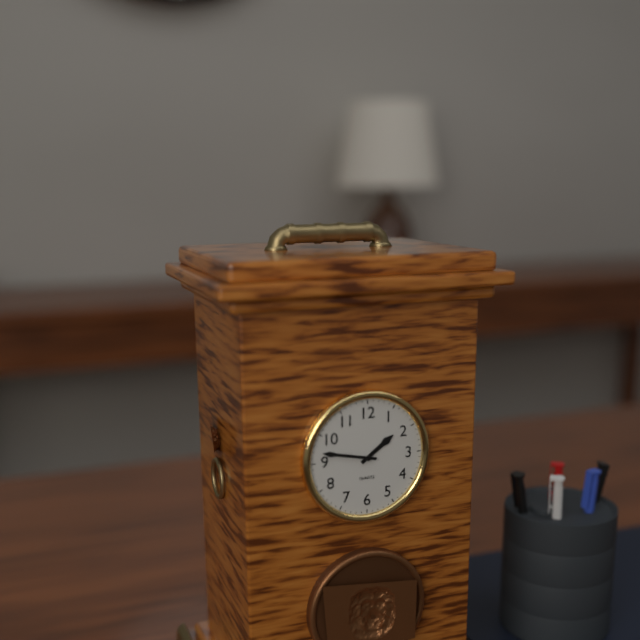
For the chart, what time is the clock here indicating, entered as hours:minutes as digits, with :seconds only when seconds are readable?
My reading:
1:47
